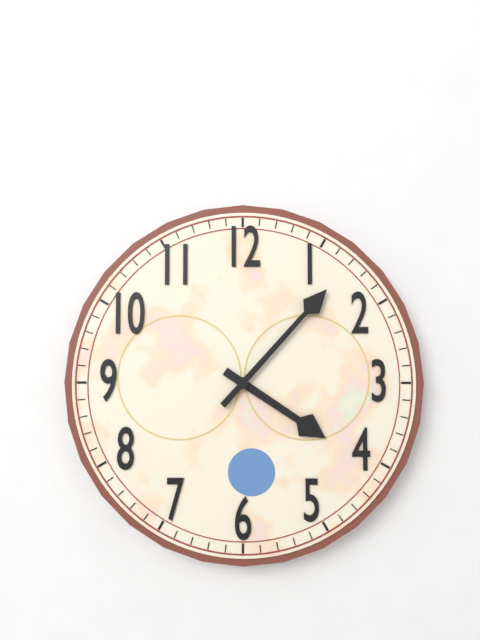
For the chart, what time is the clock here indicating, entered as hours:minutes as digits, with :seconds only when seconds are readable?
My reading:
4:07
